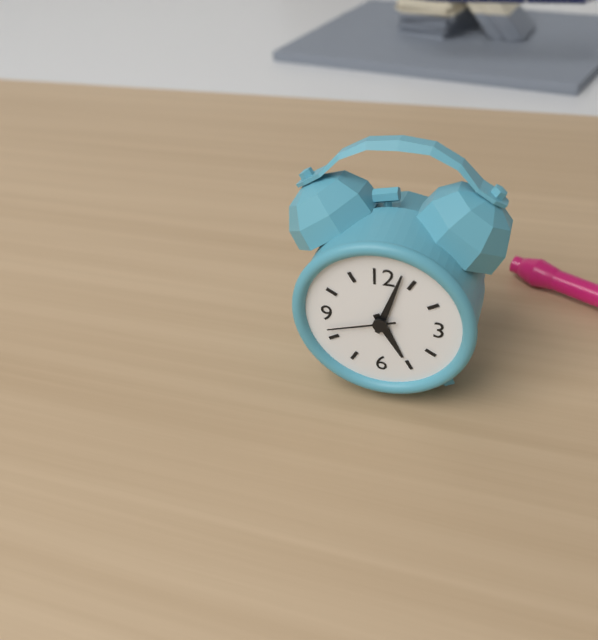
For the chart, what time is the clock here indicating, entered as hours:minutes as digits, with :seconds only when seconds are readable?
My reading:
5:03:42
